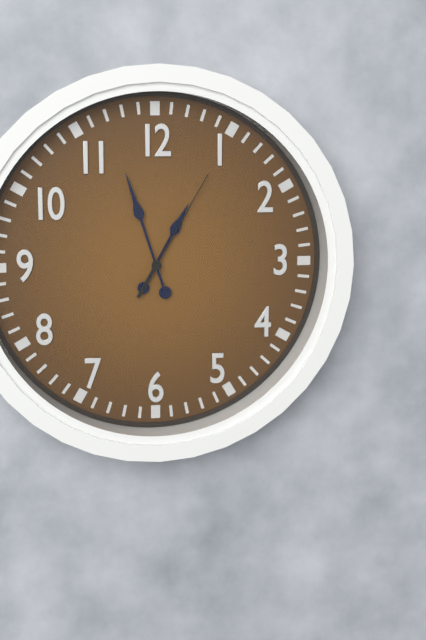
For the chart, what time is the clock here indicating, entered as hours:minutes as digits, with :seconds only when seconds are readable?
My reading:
12:57:05
